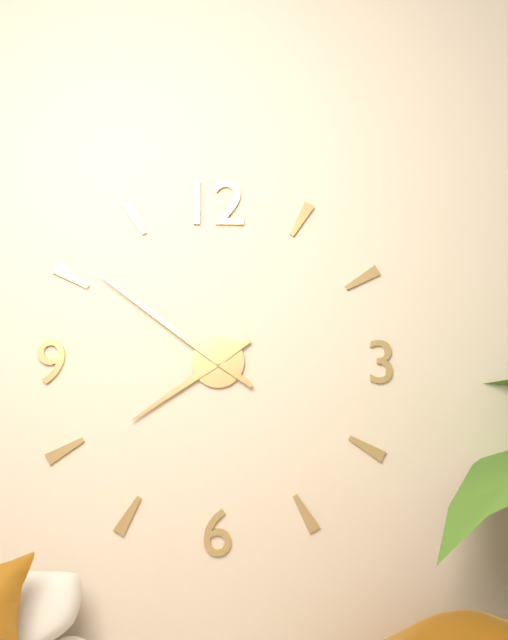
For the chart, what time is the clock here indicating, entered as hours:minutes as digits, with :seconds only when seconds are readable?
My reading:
7:51
